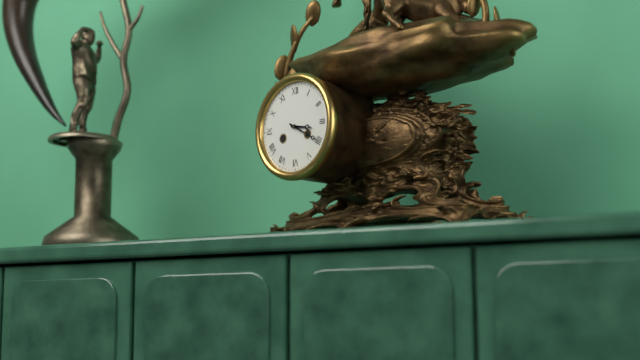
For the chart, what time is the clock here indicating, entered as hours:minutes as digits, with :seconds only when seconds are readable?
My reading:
3:20
